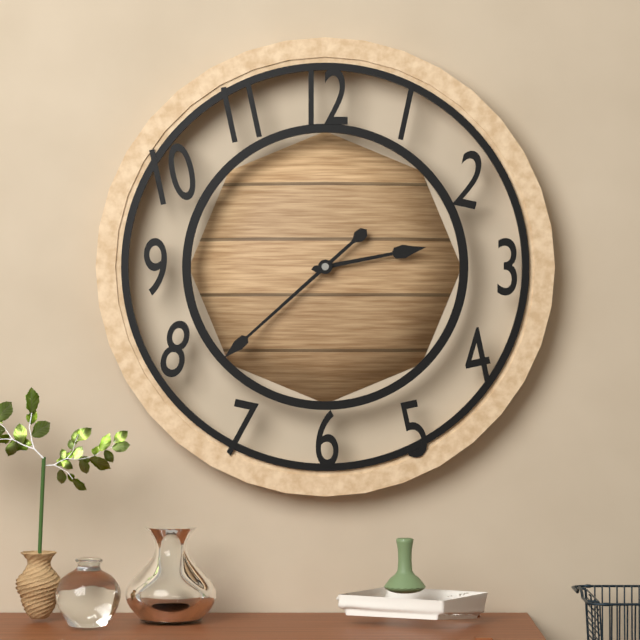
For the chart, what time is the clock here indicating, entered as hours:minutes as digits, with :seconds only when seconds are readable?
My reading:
2:38
